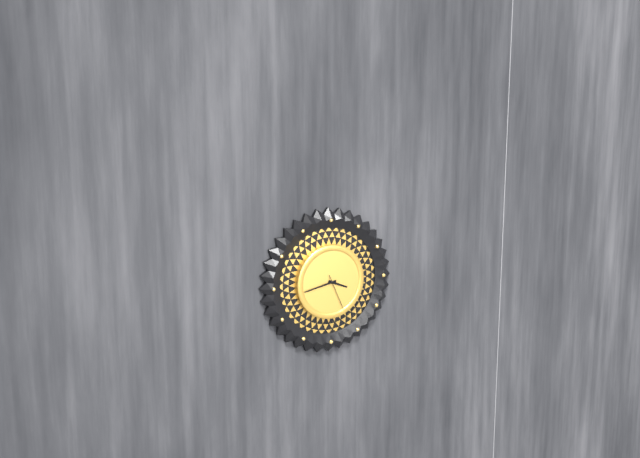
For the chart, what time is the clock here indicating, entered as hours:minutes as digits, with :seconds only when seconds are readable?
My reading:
3:43
